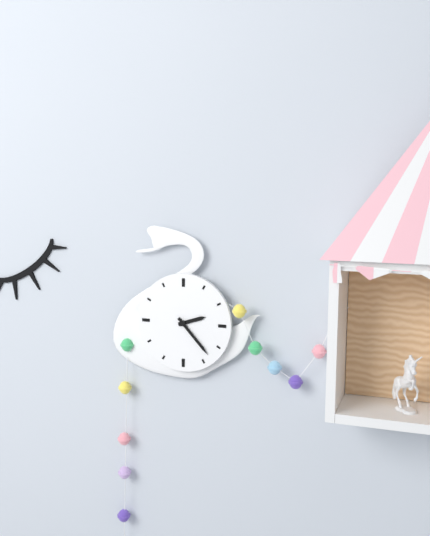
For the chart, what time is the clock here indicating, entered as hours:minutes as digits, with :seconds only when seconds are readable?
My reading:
2:23
